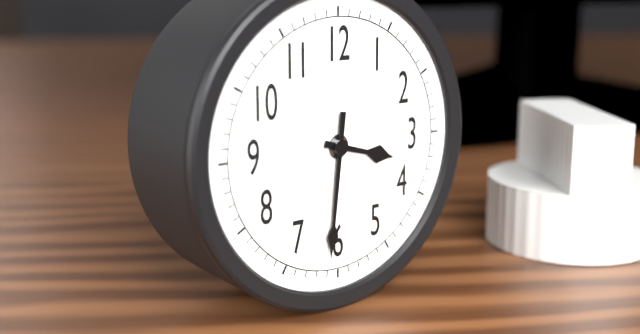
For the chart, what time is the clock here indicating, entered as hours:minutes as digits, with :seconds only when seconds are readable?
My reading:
3:31
